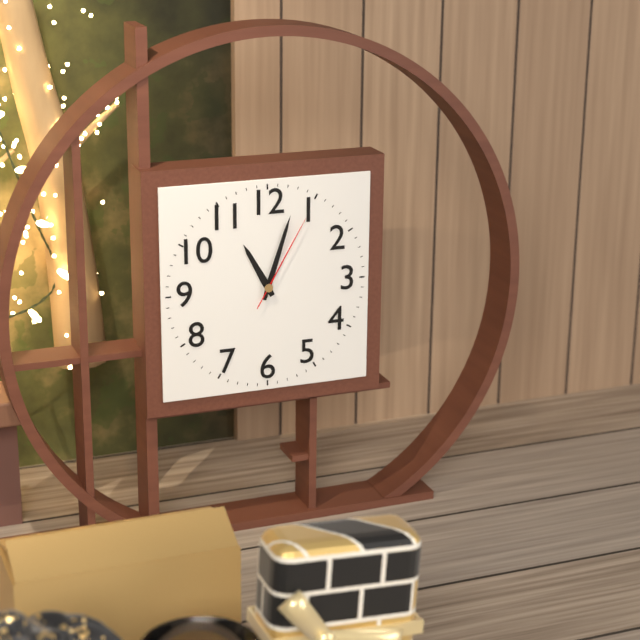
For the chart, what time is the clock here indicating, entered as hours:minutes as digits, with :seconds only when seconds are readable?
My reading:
11:03:05
